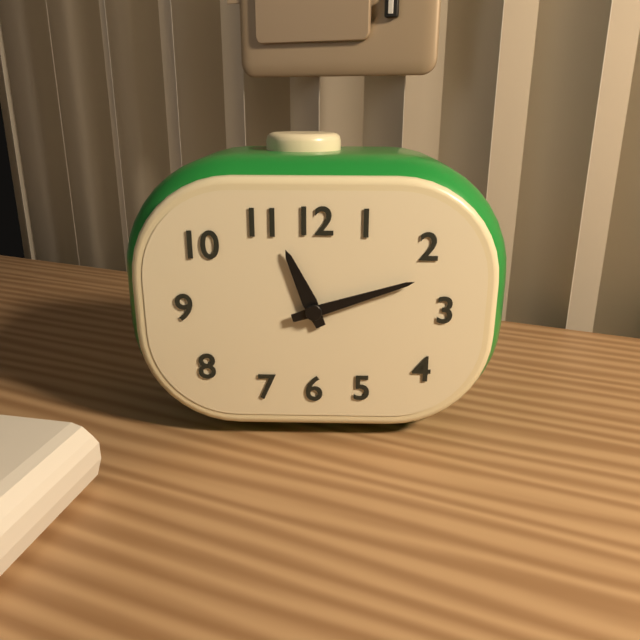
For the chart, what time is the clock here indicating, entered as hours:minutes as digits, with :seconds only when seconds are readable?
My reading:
11:12
